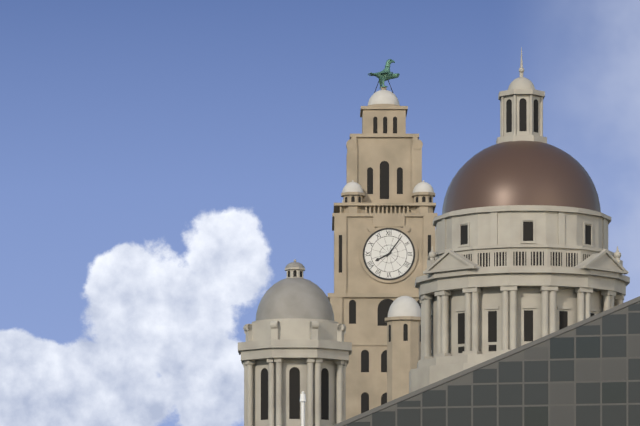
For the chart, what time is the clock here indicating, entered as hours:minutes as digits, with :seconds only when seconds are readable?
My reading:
8:06
